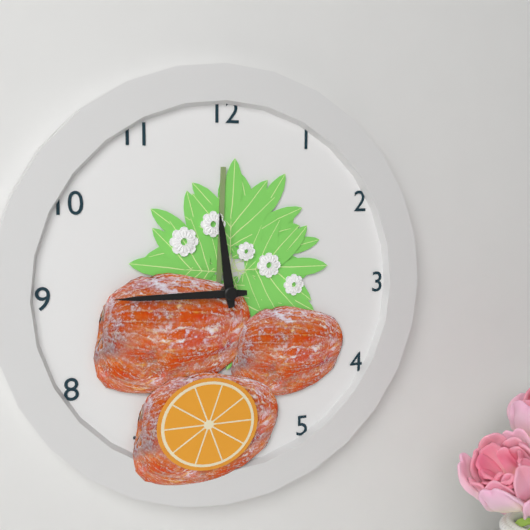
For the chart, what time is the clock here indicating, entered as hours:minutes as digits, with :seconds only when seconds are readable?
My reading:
11:45
